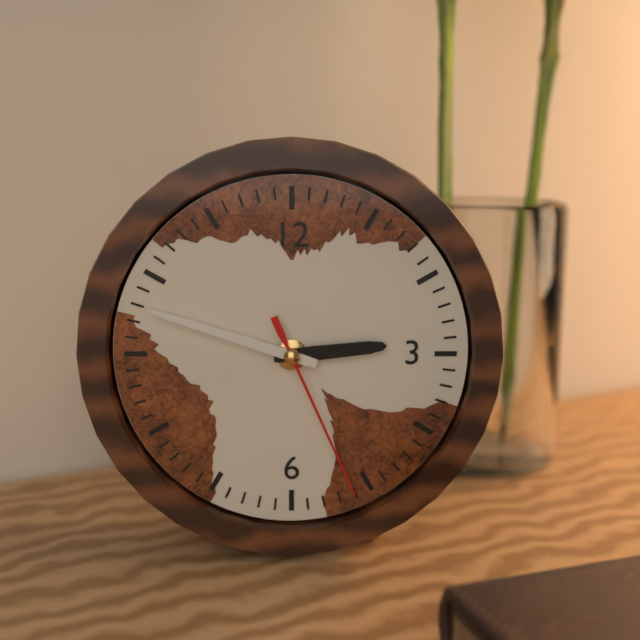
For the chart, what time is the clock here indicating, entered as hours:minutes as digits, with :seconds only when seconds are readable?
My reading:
2:48:26
